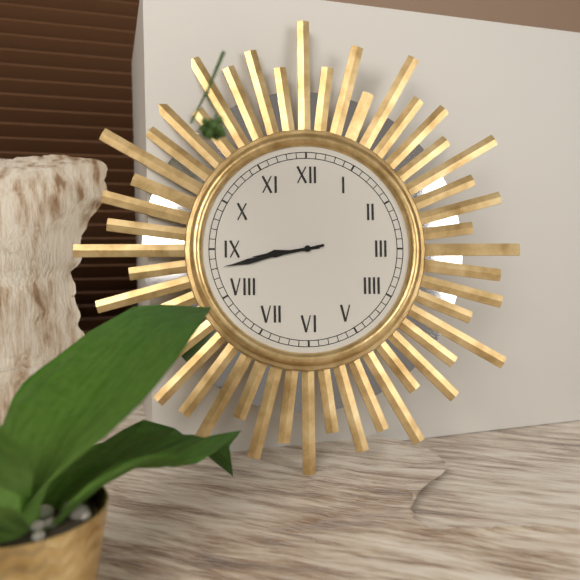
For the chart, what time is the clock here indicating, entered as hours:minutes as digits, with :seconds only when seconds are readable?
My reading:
8:43
